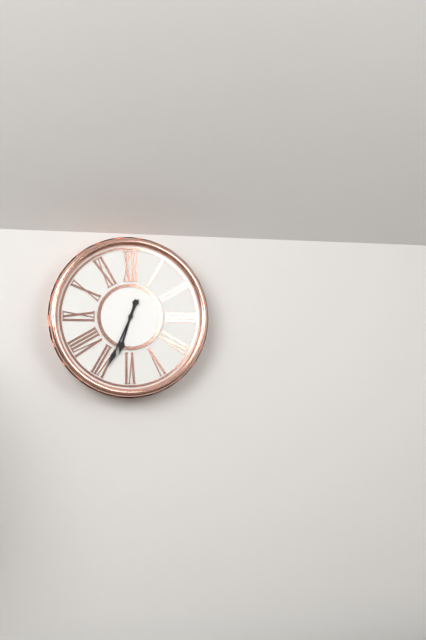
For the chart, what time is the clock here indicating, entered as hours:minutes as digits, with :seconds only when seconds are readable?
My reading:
6:34
